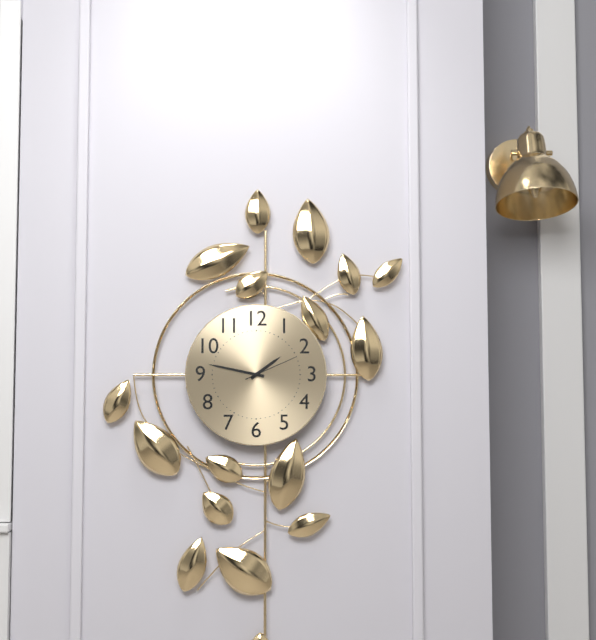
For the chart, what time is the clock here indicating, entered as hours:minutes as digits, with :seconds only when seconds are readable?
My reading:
1:47:11
